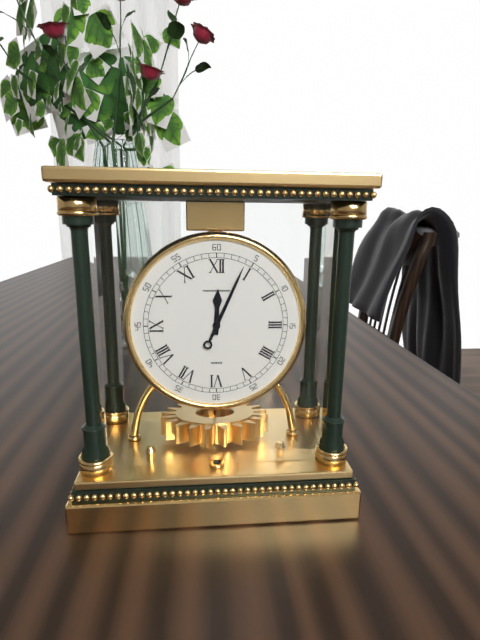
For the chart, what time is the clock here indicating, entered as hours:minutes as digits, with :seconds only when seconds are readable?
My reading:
12:04
